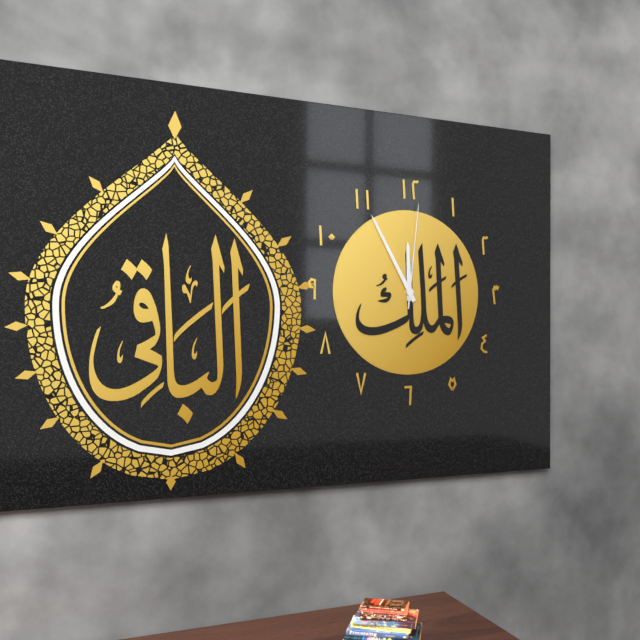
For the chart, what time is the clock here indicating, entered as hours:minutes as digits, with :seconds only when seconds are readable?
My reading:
11:55:01
